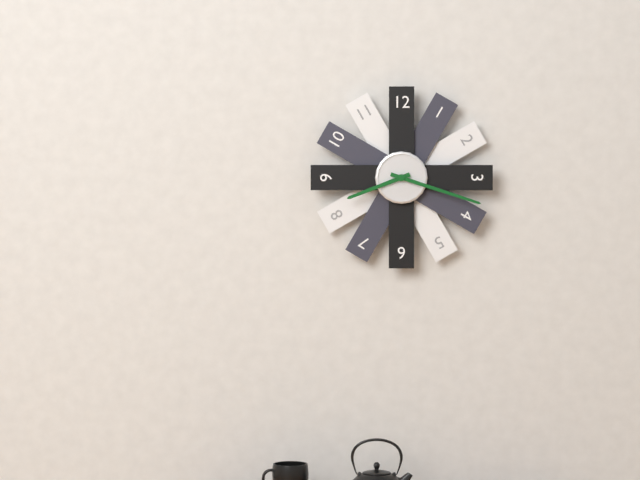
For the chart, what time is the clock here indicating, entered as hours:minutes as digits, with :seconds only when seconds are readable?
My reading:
8:18
